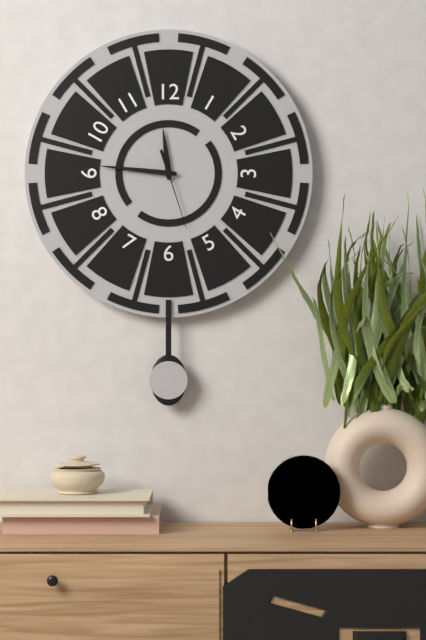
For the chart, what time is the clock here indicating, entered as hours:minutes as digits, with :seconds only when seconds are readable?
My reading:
11:46:27
